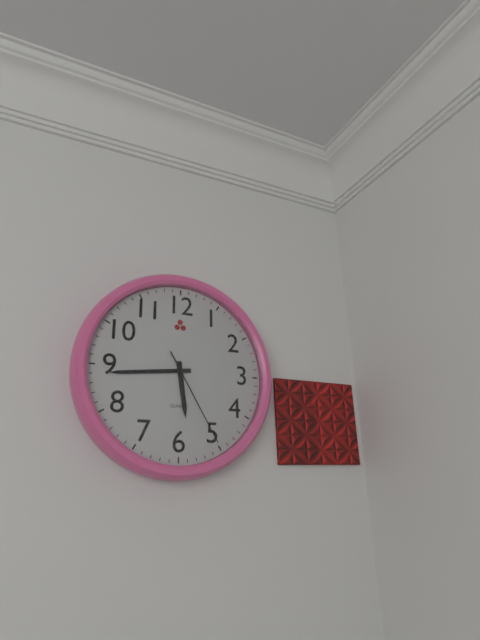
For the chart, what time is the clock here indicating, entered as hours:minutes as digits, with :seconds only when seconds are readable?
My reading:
5:44:25
